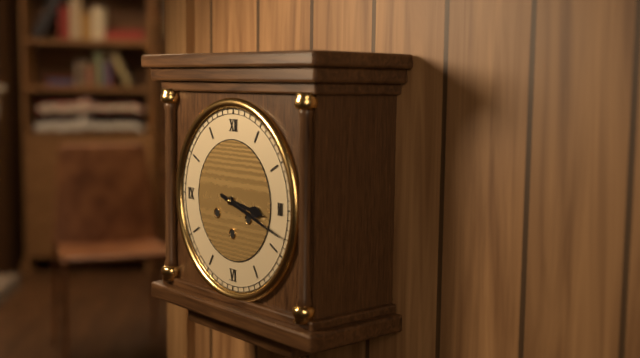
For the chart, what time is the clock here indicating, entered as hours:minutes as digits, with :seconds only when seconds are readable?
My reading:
3:18
